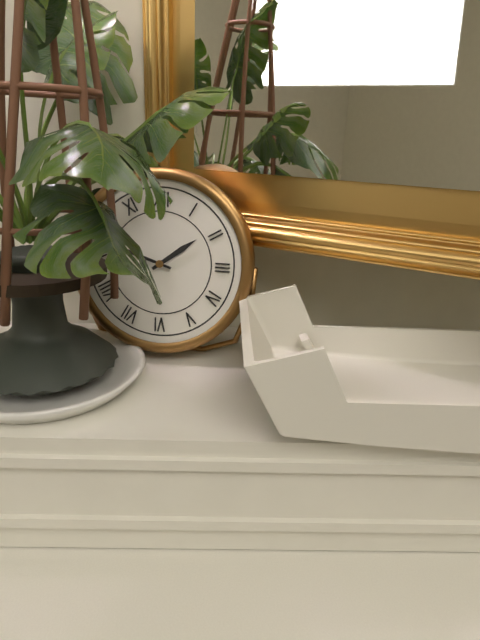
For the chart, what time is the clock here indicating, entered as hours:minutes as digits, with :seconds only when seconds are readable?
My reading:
1:48
